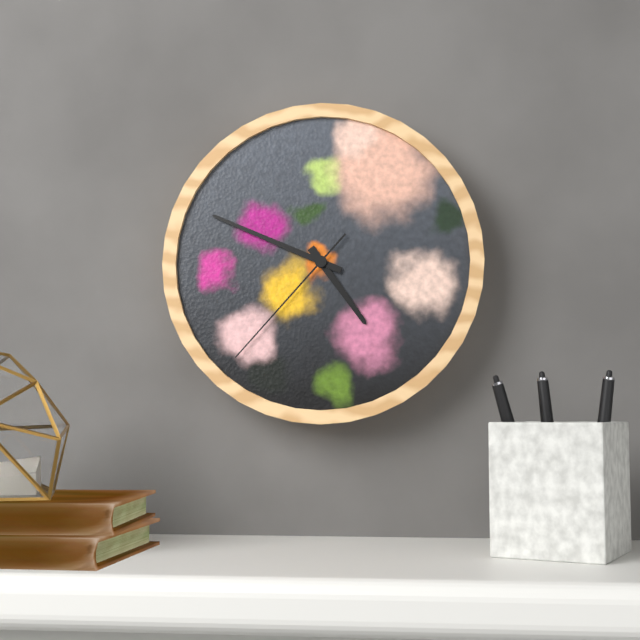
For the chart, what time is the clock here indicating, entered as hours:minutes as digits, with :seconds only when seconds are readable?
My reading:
4:49:37
